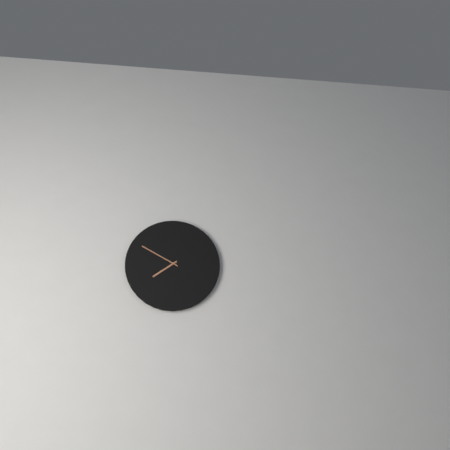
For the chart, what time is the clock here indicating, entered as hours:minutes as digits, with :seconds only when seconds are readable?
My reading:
7:50
